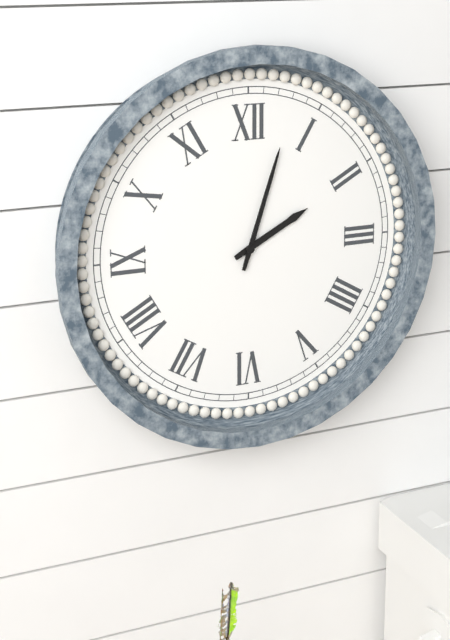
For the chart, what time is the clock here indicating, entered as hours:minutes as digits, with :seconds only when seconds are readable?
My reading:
2:03
